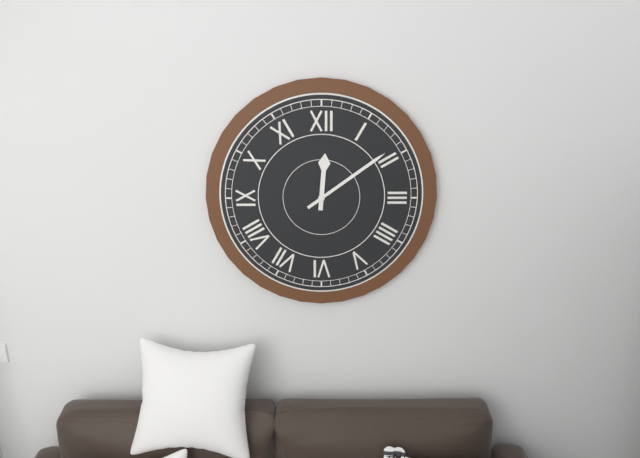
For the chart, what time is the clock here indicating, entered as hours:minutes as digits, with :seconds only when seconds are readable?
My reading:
12:09
